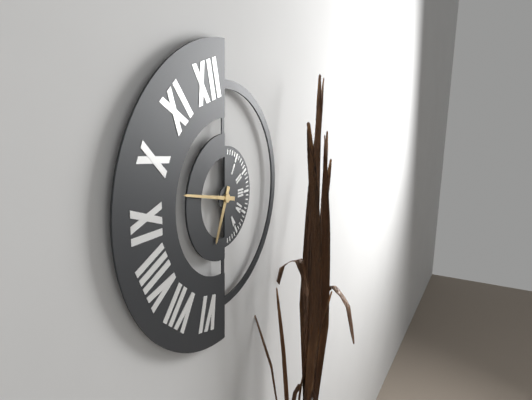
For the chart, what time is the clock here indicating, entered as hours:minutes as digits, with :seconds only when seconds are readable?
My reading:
6:47
